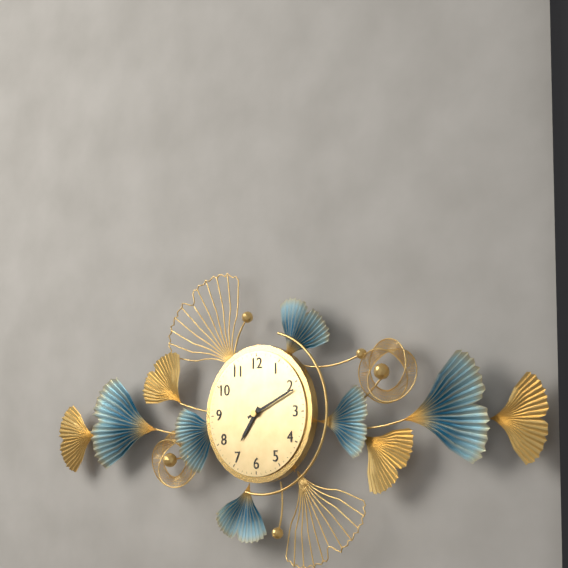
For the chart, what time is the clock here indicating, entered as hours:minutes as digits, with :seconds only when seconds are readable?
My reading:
7:11
